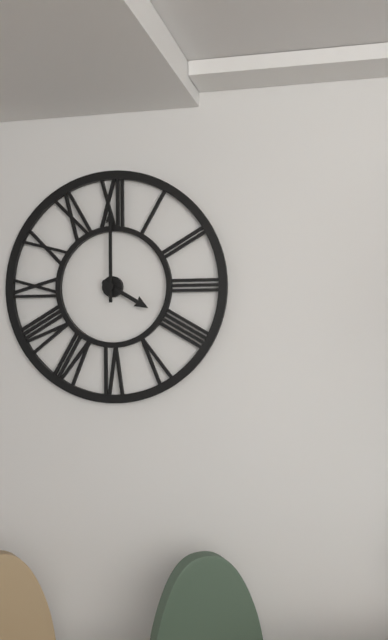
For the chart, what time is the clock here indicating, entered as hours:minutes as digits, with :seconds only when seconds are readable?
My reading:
4:00
